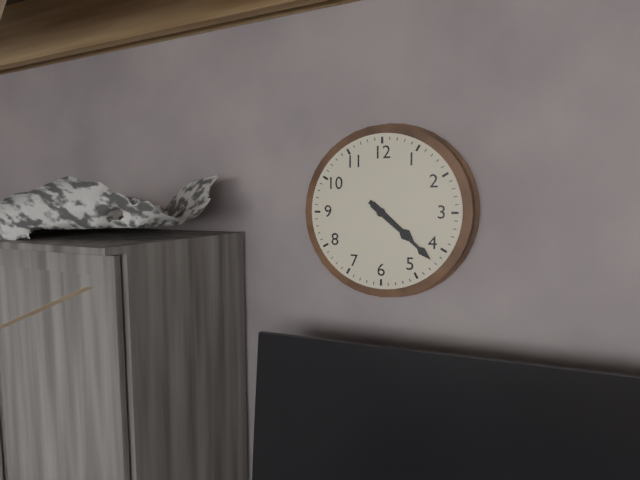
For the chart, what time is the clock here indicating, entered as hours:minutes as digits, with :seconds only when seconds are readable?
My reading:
4:22
